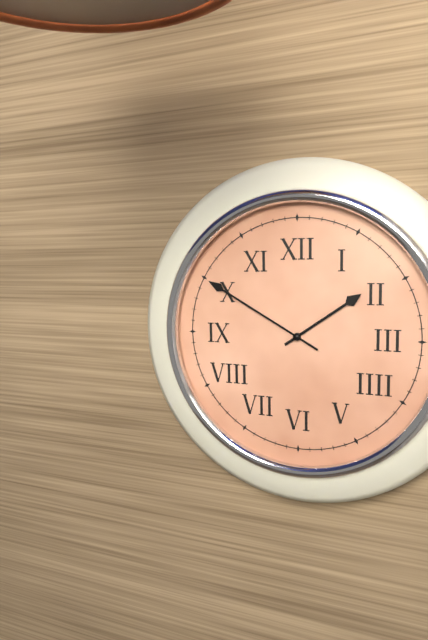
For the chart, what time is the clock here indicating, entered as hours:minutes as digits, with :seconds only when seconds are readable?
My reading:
1:50
